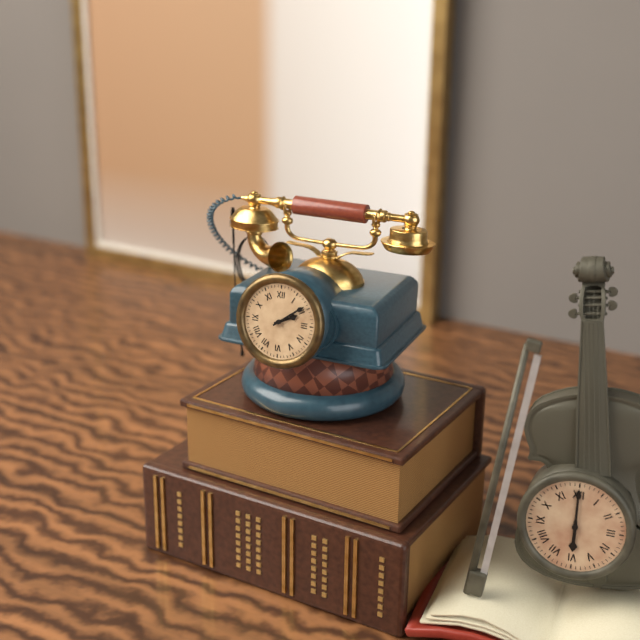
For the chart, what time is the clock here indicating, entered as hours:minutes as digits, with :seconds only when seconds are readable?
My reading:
2:09
